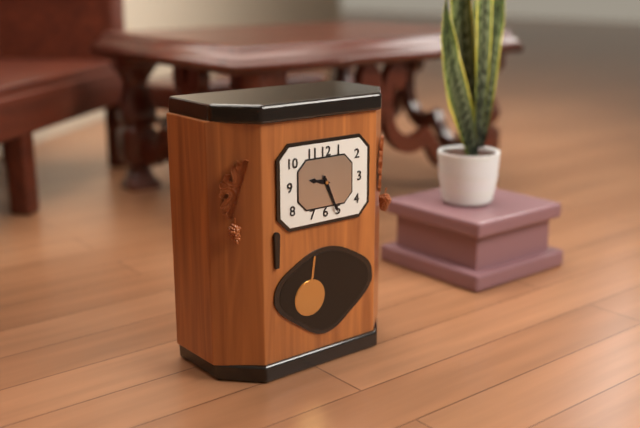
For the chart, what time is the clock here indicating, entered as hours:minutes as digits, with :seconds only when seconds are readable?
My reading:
9:26
